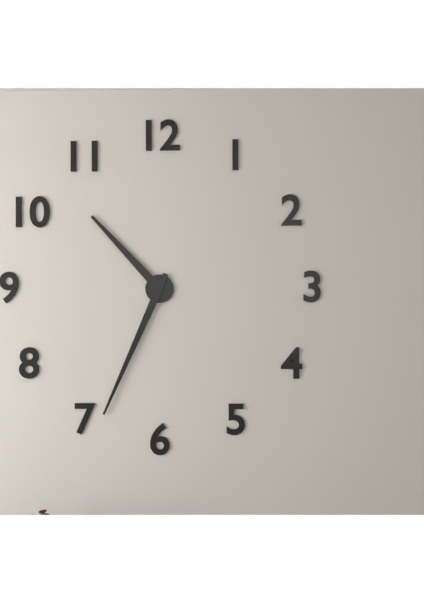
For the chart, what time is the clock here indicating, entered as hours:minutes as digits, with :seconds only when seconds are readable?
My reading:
10:34
